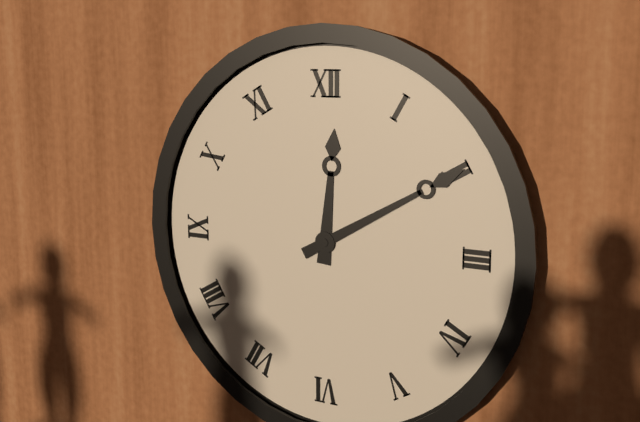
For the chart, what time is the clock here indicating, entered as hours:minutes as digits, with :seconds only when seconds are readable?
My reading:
12:10
